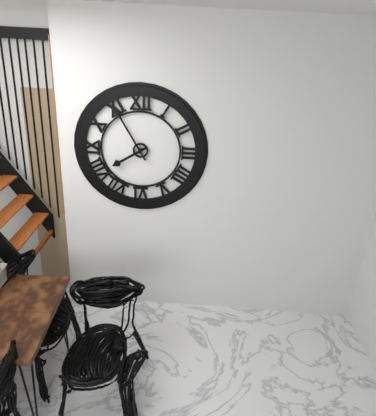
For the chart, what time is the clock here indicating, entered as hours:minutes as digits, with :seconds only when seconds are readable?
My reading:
7:55
